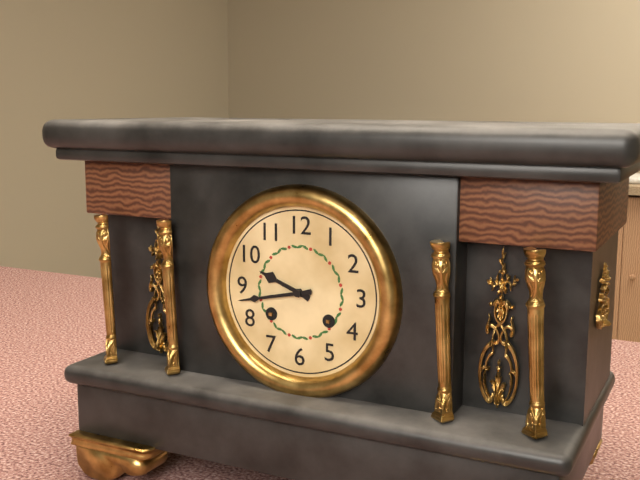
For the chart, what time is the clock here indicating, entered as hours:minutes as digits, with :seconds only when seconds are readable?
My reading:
9:43
